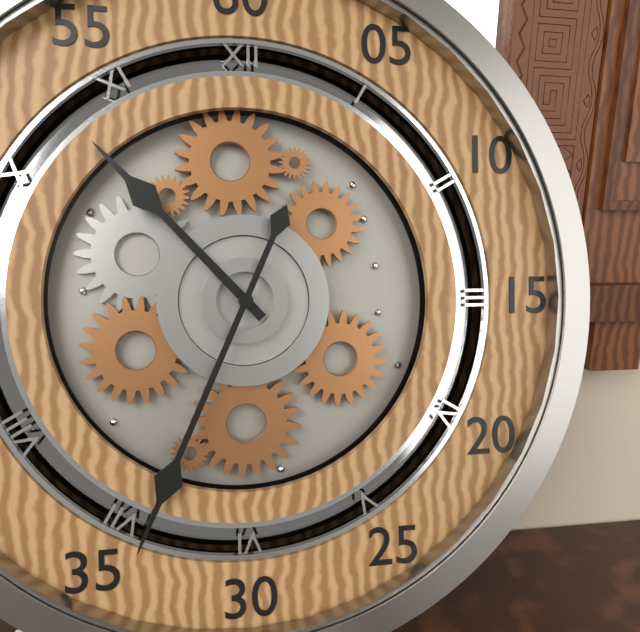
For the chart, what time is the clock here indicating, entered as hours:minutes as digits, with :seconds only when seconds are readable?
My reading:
10:34
